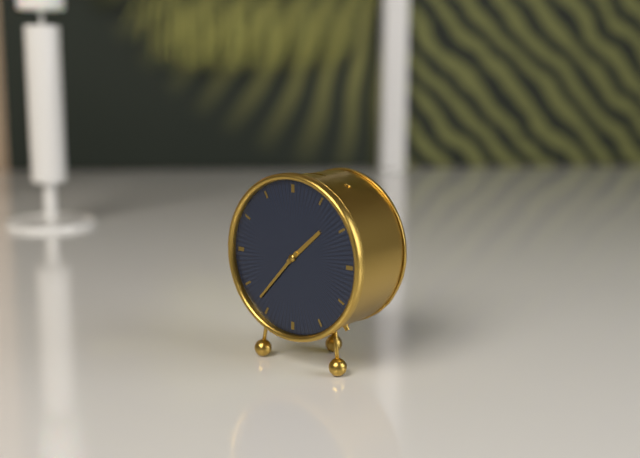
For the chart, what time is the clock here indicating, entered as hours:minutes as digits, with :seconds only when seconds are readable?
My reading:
1:37
